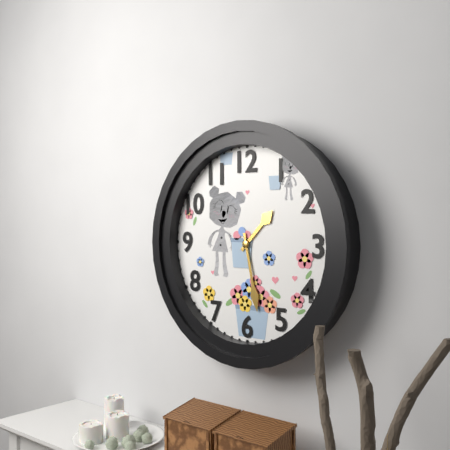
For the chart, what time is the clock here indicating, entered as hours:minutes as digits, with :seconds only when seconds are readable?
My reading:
1:28
